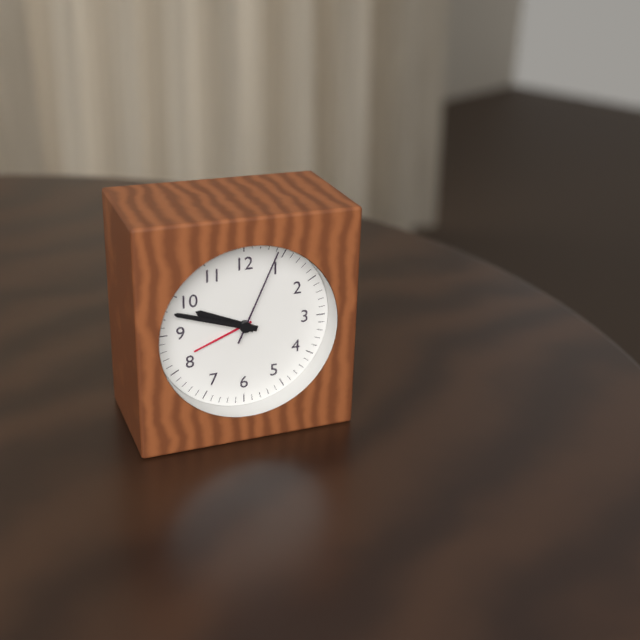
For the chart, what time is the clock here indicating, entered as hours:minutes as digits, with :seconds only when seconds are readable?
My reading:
9:48:04
